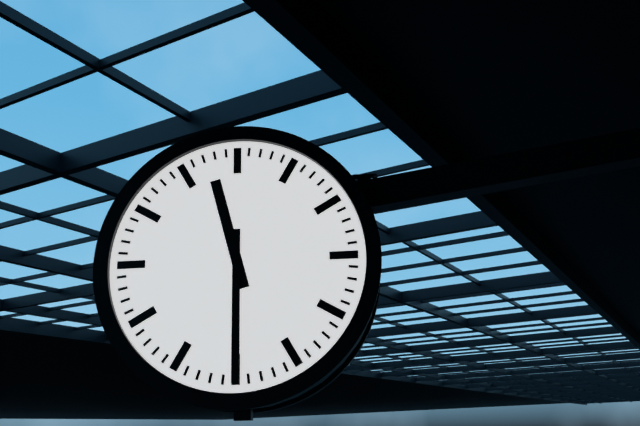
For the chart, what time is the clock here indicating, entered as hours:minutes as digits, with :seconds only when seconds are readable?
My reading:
11:30
